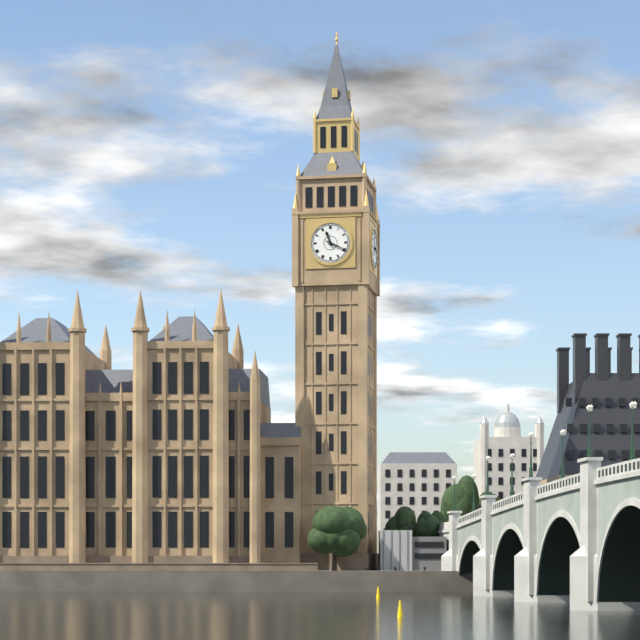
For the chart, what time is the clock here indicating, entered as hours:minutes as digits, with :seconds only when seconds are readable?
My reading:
11:19
